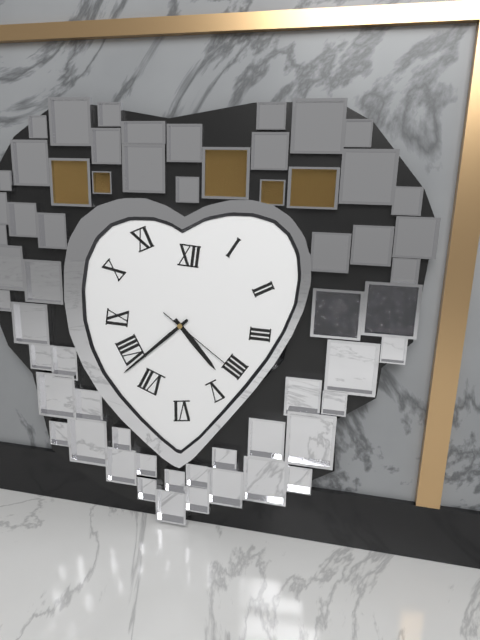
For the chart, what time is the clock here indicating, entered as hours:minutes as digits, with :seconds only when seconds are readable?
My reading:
4:38:21
